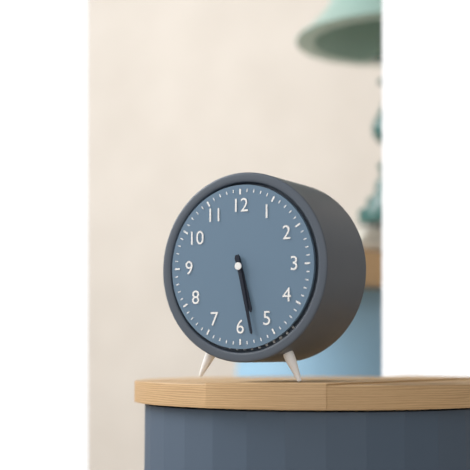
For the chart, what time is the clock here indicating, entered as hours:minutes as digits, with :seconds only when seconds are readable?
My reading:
5:28
